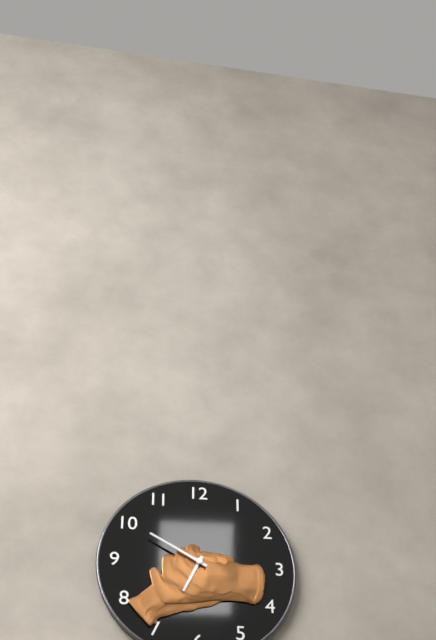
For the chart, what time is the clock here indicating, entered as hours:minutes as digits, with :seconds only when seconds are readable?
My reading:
6:50
